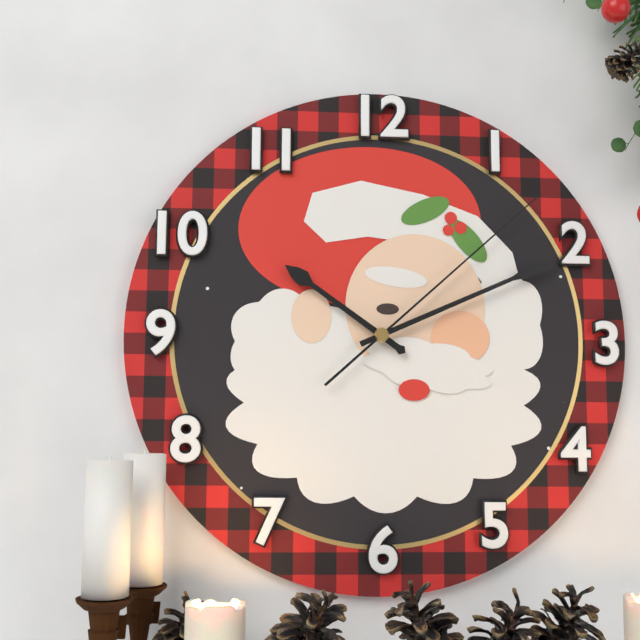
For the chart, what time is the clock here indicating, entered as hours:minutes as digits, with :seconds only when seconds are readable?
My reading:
10:11:08
